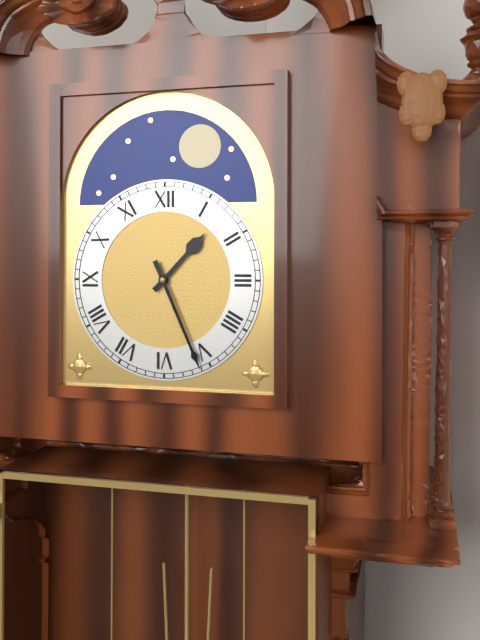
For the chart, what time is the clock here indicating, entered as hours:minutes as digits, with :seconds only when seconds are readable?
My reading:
1:26
